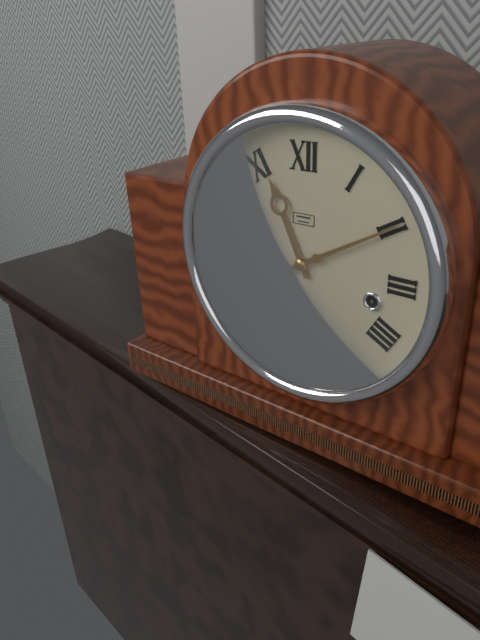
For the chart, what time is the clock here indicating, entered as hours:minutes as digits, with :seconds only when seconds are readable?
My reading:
11:10
